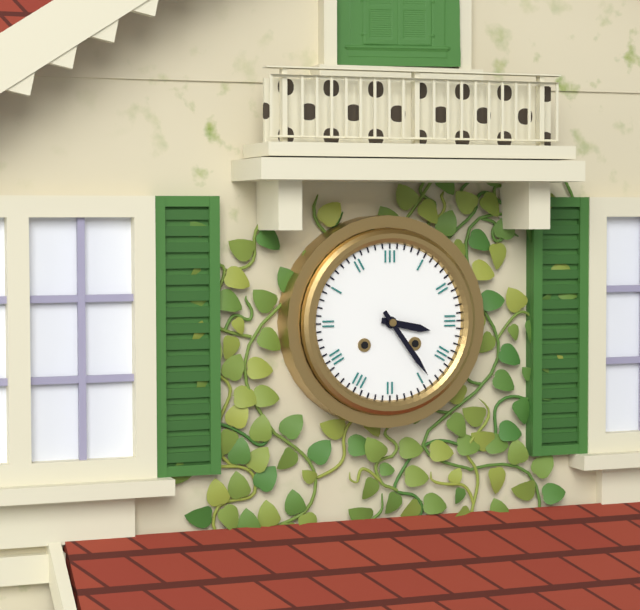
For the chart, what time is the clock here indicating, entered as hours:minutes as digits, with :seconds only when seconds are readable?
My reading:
3:24
